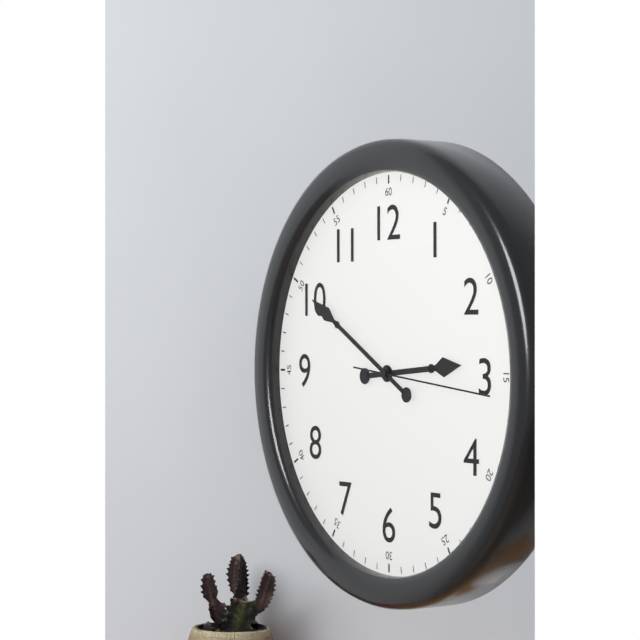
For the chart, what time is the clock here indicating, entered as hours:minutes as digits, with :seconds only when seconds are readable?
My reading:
2:50:16
